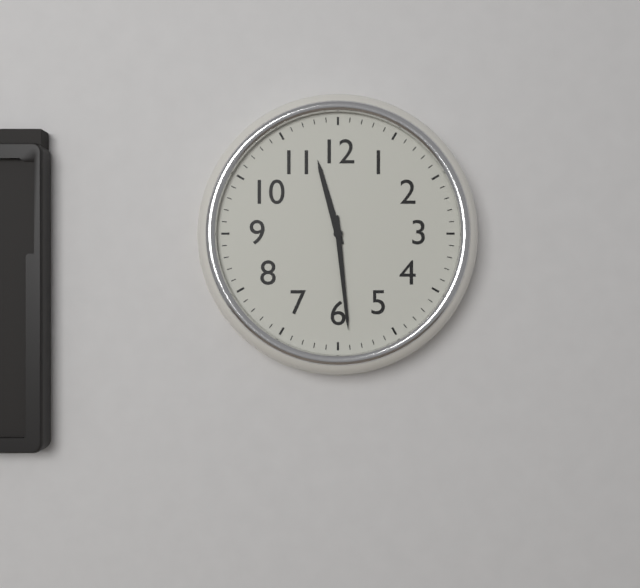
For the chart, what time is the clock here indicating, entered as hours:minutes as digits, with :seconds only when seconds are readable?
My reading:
11:29
